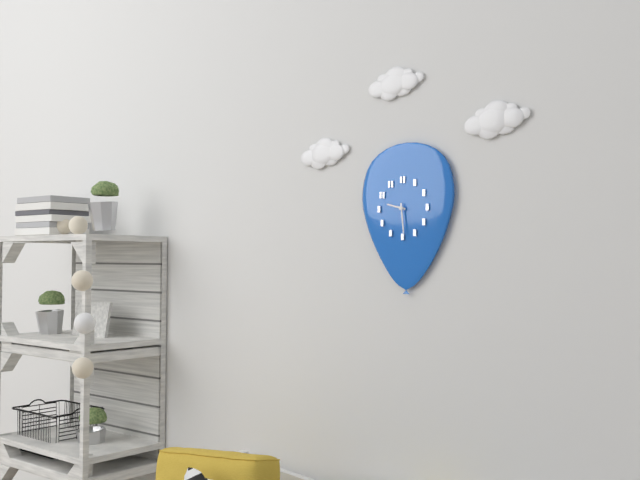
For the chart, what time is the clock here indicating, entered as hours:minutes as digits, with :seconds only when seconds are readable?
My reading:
9:29
